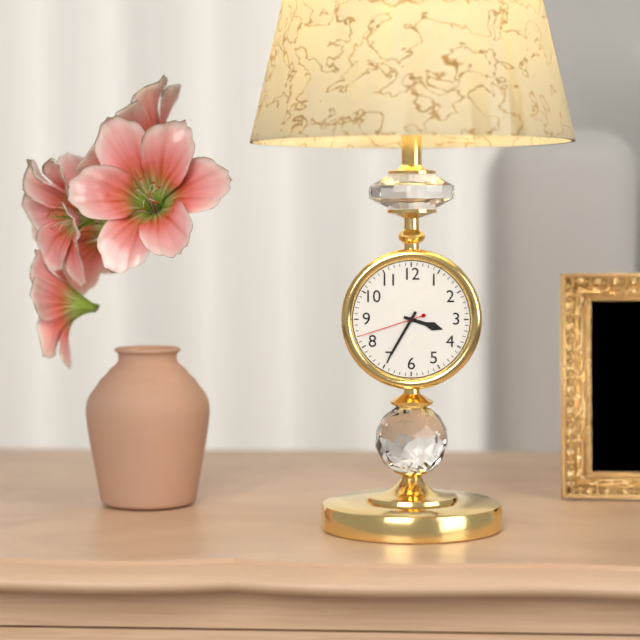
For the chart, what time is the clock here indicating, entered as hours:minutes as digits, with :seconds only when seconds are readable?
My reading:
3:35:42
